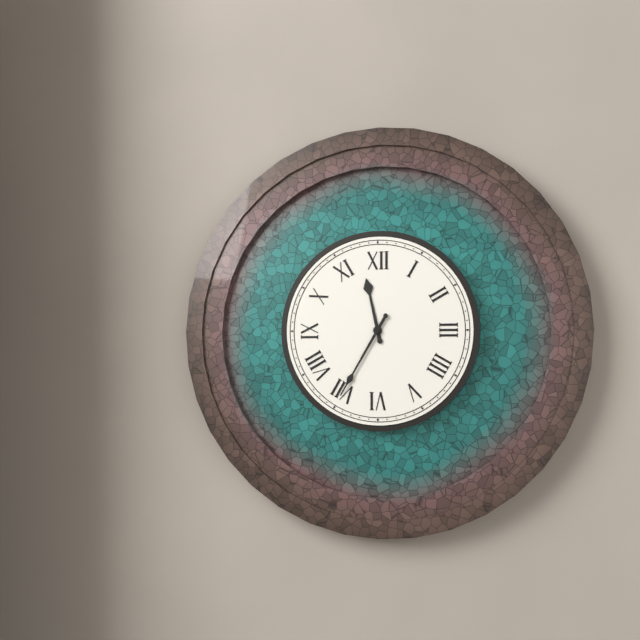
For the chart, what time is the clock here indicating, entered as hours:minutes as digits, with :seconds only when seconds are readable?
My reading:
11:35
